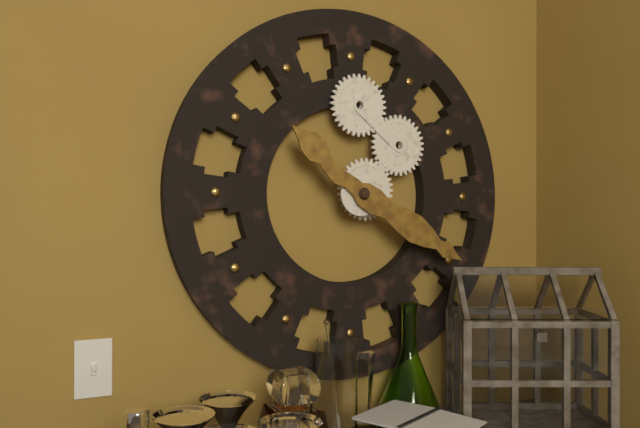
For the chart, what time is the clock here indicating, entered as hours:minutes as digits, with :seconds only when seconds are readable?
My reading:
10:20
